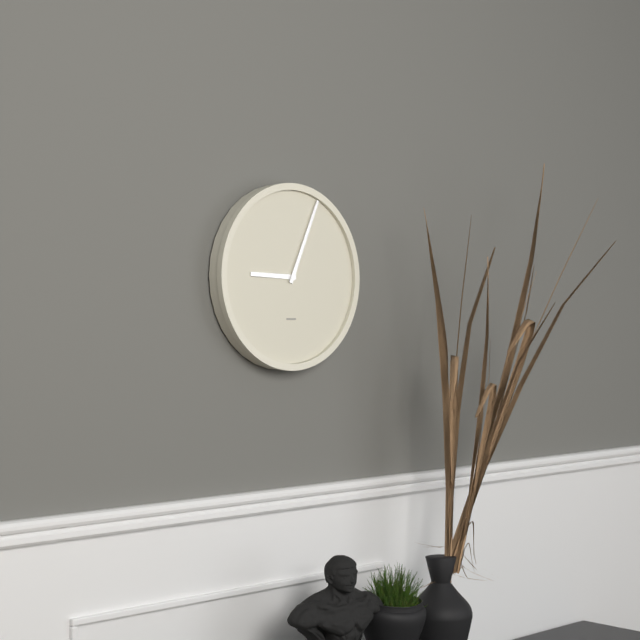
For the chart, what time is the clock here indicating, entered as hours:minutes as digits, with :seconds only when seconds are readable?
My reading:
9:04
